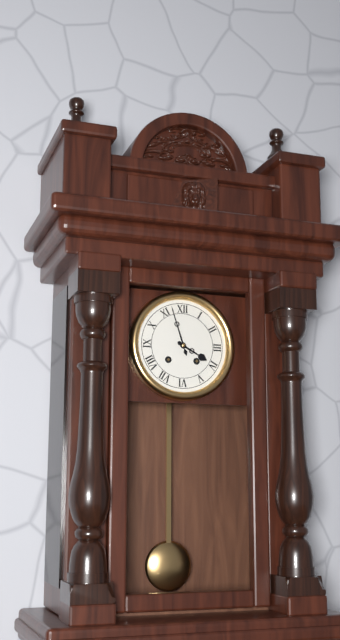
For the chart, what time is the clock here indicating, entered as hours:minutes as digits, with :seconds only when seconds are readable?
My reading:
3:57
